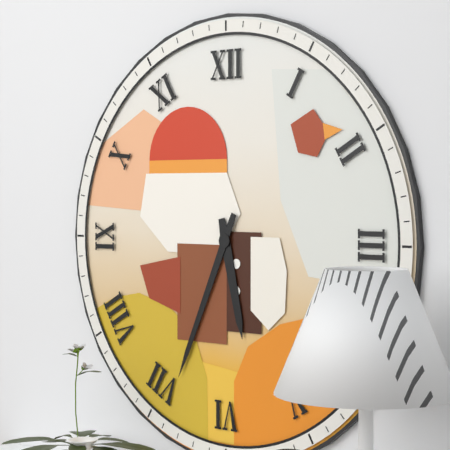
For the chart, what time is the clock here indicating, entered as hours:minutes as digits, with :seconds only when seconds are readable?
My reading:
5:34
